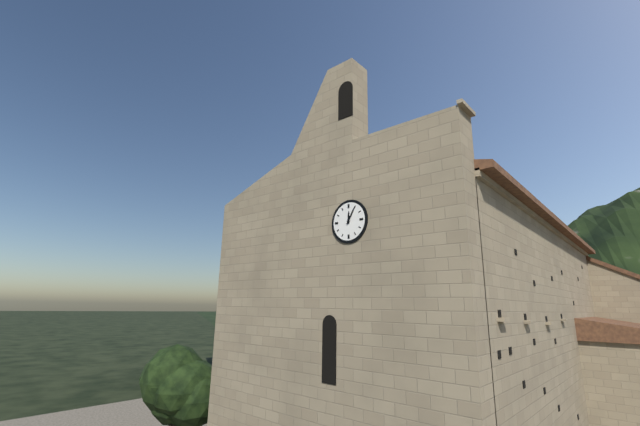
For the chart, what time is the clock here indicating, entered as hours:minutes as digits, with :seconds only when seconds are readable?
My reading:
12:05
